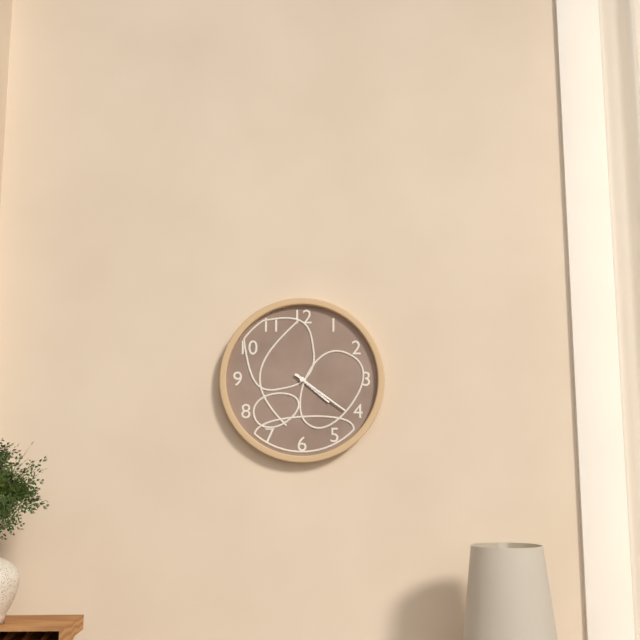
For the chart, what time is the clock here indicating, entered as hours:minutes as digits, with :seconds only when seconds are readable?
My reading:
4:21
